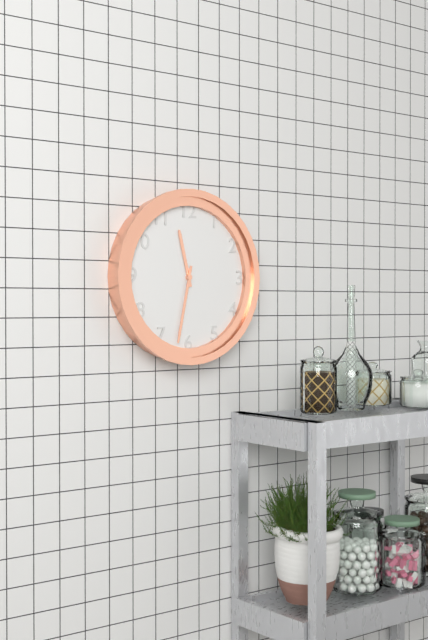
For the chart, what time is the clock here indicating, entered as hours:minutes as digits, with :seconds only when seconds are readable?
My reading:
11:32
